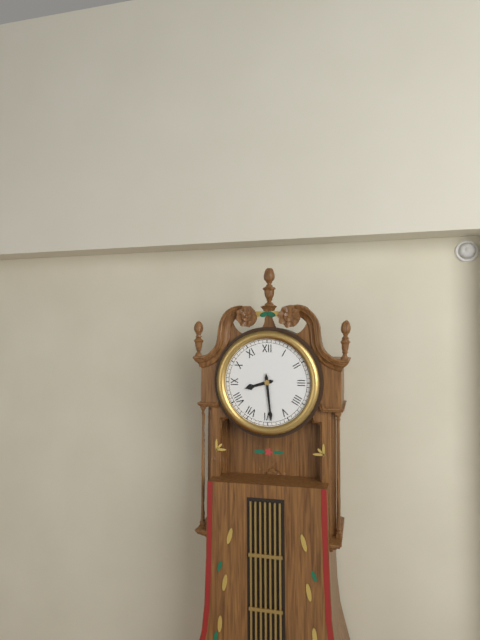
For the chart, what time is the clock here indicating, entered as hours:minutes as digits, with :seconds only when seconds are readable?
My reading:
8:29
